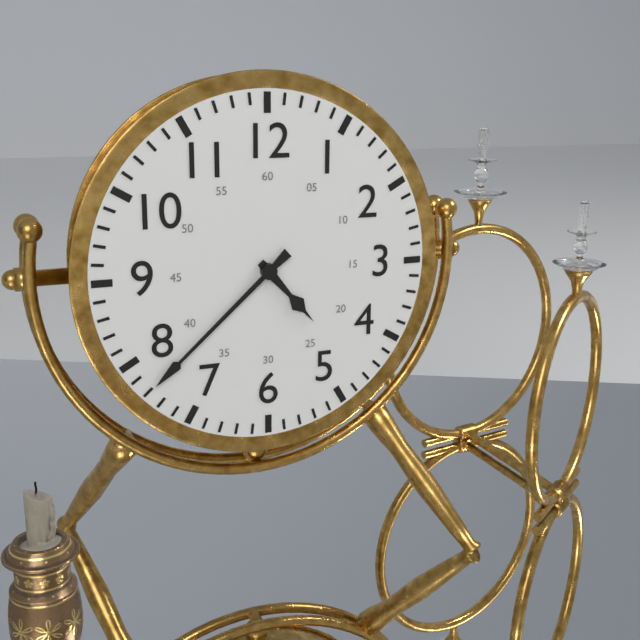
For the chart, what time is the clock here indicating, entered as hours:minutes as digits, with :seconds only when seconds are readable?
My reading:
4:38
